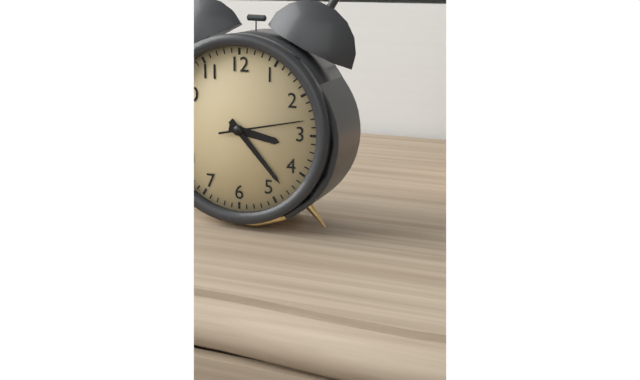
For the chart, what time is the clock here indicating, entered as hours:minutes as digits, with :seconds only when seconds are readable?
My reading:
3:23:13
